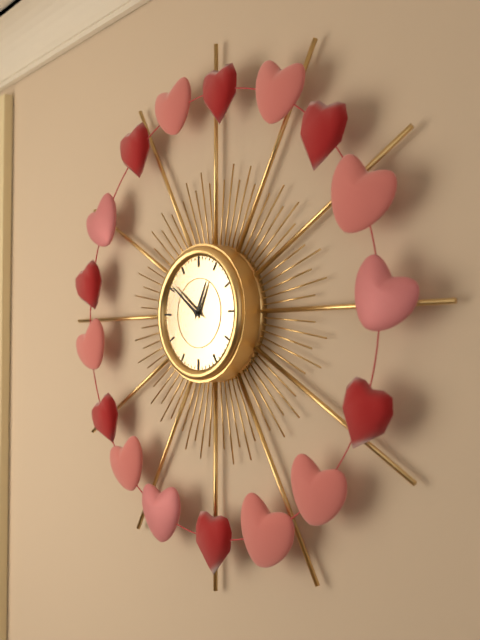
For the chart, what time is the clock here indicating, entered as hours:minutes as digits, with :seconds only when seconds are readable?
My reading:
12:51
